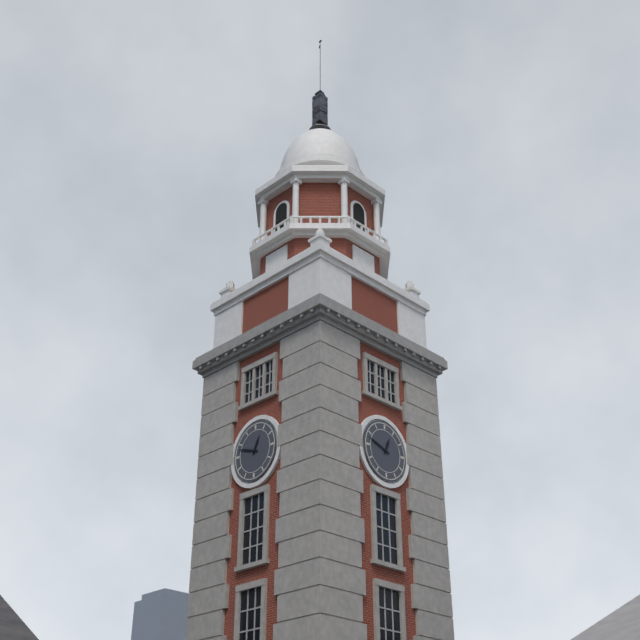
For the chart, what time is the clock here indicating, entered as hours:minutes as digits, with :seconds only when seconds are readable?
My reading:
12:48
